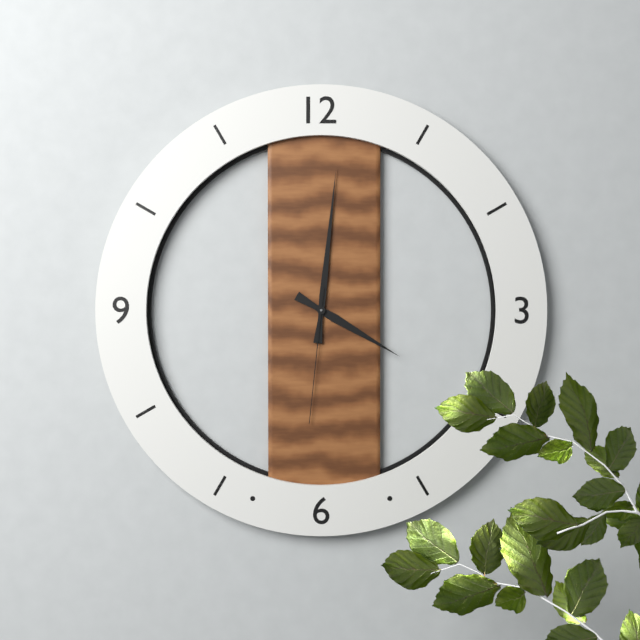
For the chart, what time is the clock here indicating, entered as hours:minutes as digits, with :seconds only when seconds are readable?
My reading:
4:01:31
